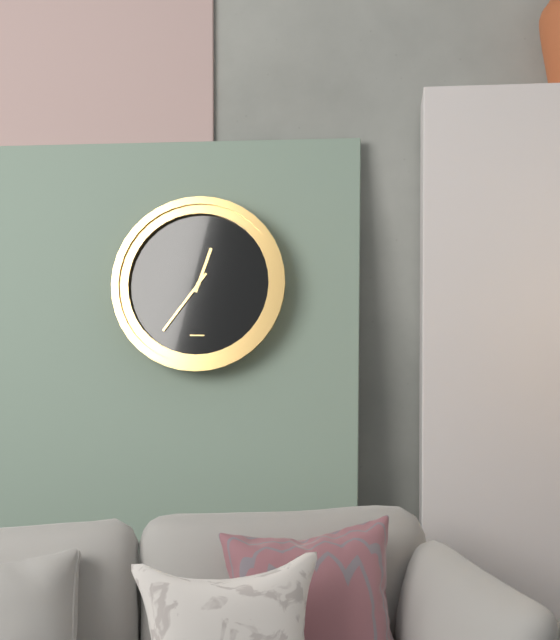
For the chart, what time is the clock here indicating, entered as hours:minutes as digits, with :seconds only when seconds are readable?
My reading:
12:36
